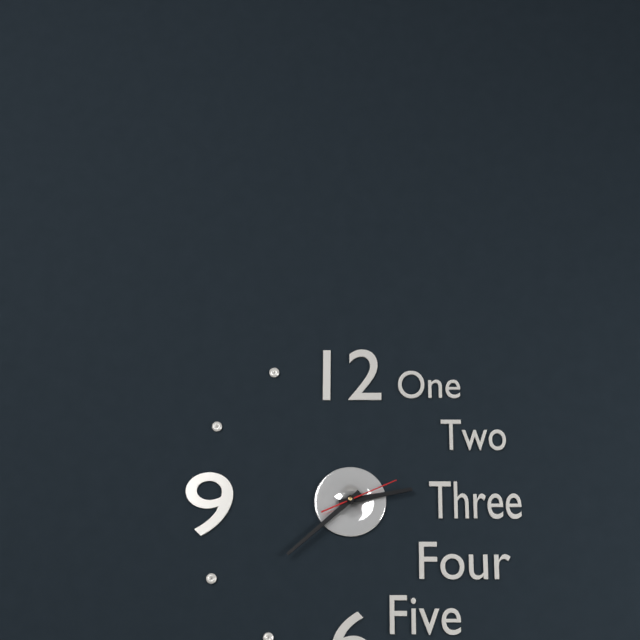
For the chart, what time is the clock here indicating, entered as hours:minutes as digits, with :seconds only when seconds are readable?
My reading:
2:38:11
